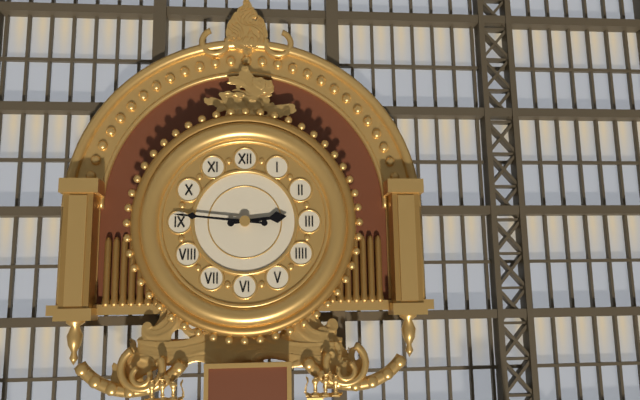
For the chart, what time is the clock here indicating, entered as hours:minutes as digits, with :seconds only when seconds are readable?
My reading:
2:46
